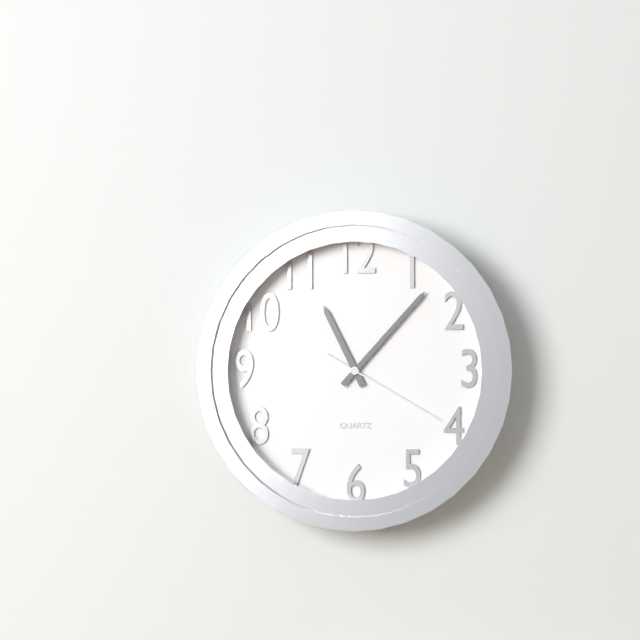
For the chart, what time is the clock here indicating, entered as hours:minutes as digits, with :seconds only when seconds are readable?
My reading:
11:07:20
